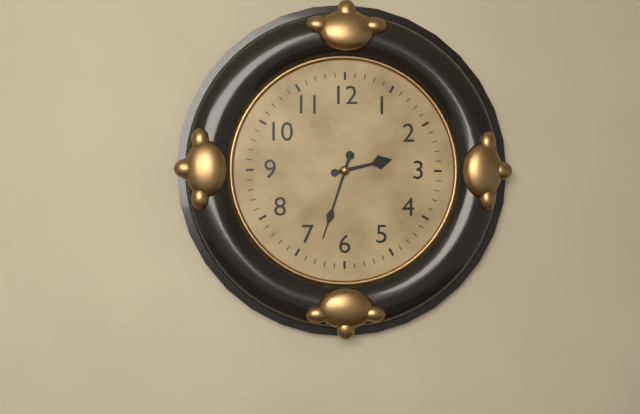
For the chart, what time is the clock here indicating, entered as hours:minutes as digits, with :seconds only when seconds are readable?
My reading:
2:33
